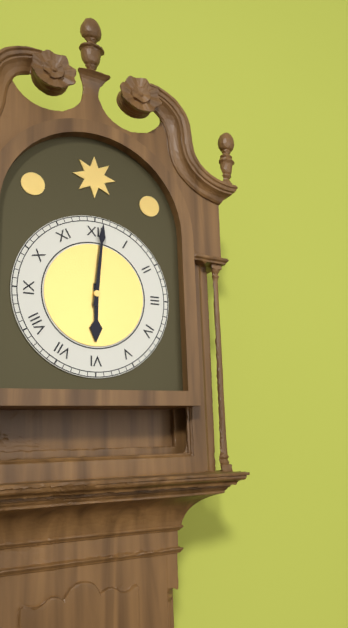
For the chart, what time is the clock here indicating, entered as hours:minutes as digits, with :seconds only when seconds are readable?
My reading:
6:01
